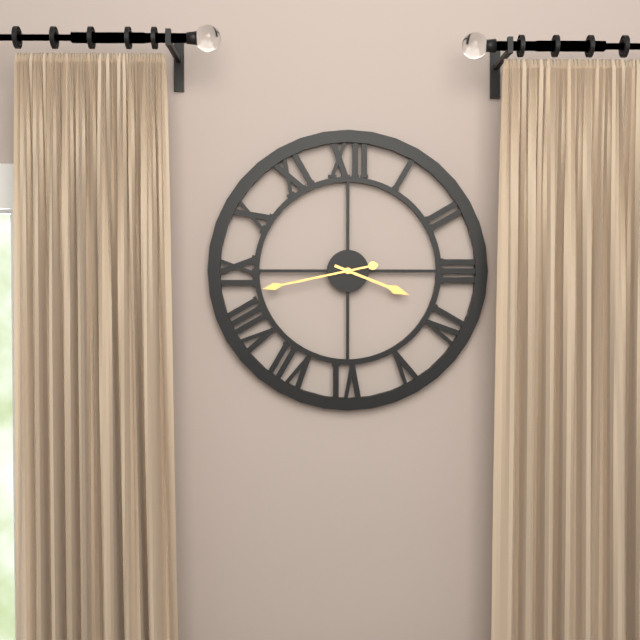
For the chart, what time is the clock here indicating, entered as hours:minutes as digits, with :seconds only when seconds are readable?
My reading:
3:43
